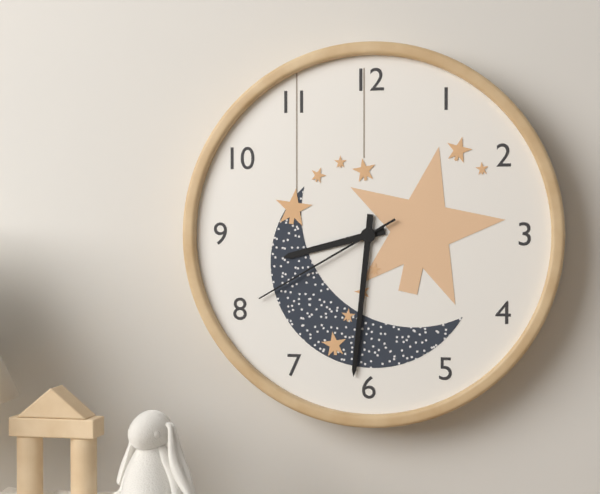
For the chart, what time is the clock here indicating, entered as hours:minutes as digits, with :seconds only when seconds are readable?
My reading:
8:31:40
